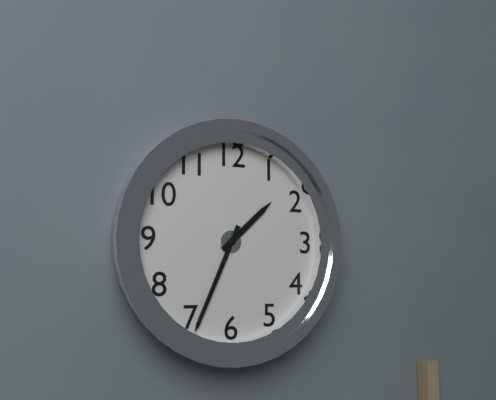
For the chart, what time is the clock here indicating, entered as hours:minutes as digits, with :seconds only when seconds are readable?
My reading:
1:34
